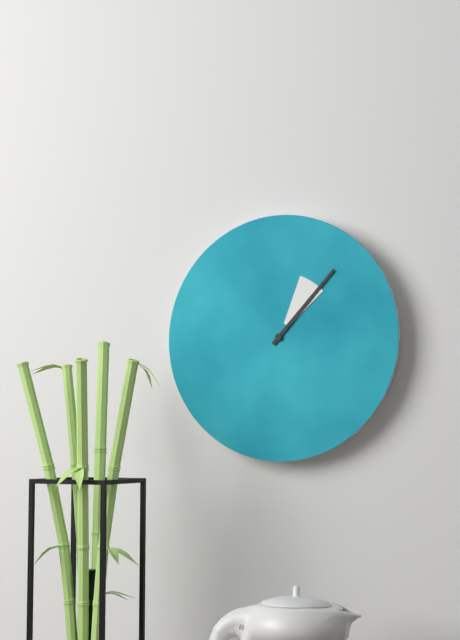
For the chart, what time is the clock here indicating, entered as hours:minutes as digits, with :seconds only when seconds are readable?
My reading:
1:07
